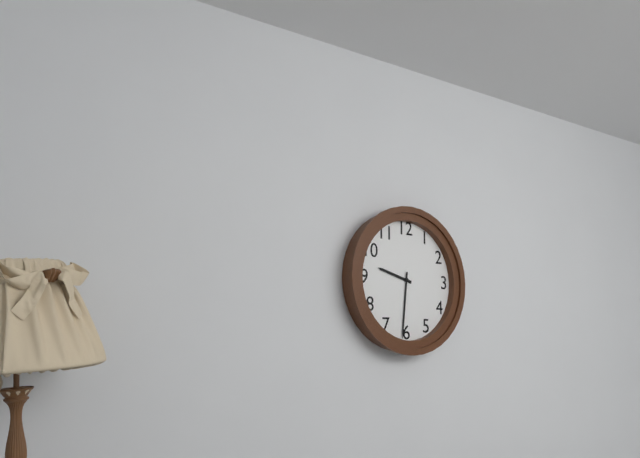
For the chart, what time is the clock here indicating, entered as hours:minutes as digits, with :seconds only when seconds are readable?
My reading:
9:31
